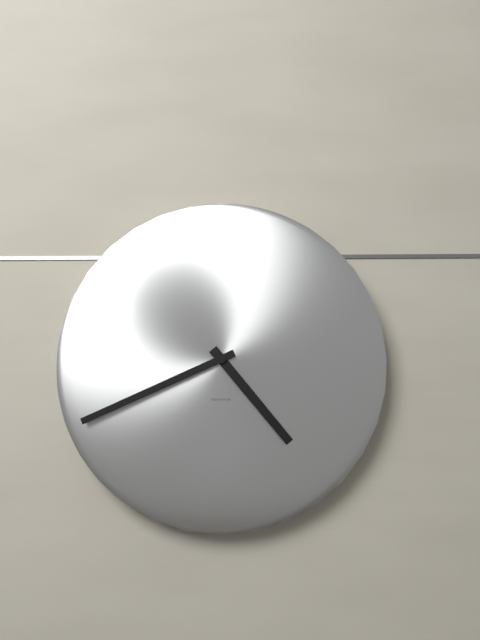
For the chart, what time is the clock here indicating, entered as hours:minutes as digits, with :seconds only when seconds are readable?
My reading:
4:41
